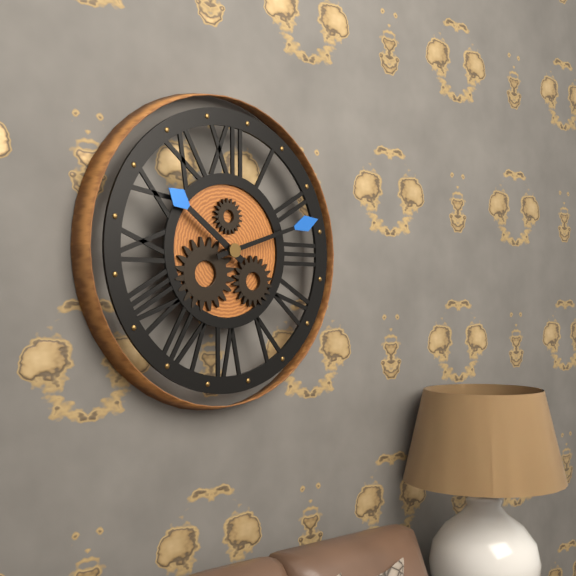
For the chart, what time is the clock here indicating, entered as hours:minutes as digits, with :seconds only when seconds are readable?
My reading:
10:12
